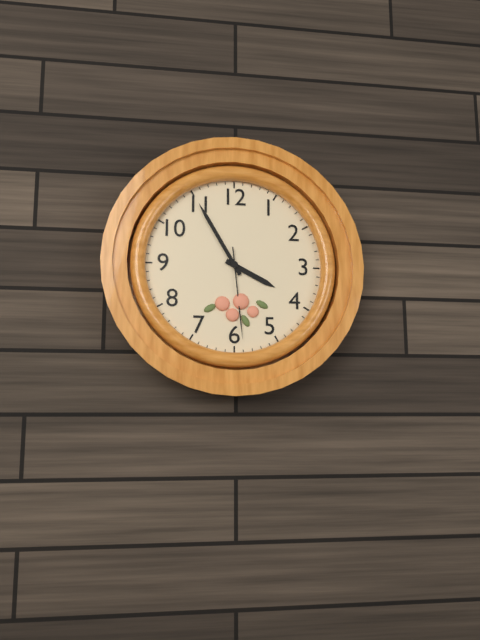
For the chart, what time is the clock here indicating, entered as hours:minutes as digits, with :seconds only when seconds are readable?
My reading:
3:55:29
